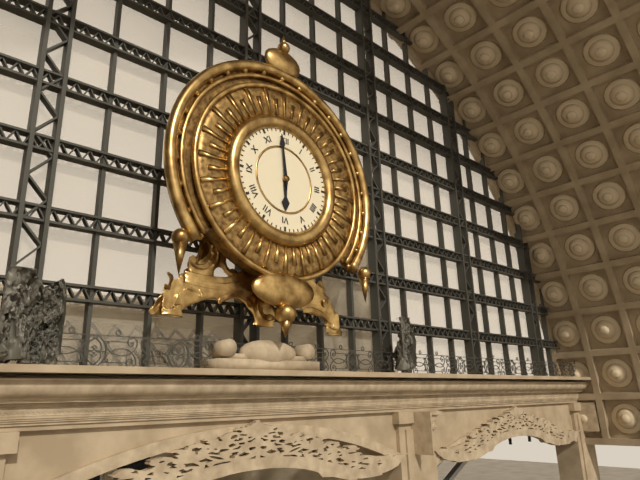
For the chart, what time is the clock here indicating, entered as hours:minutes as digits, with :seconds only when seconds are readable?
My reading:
5:59
